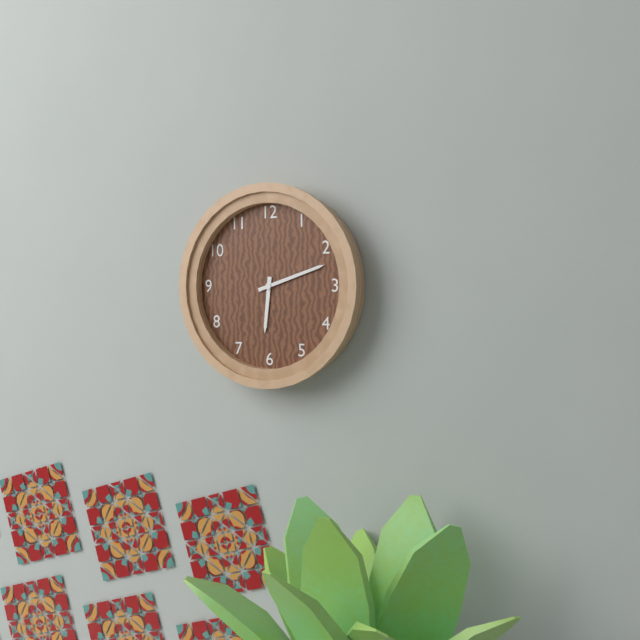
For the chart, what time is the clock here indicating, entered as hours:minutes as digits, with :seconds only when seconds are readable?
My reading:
6:12
